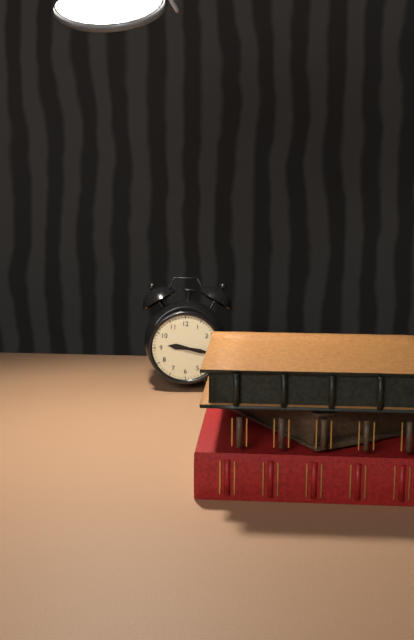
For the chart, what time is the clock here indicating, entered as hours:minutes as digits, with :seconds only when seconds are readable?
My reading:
9:17
